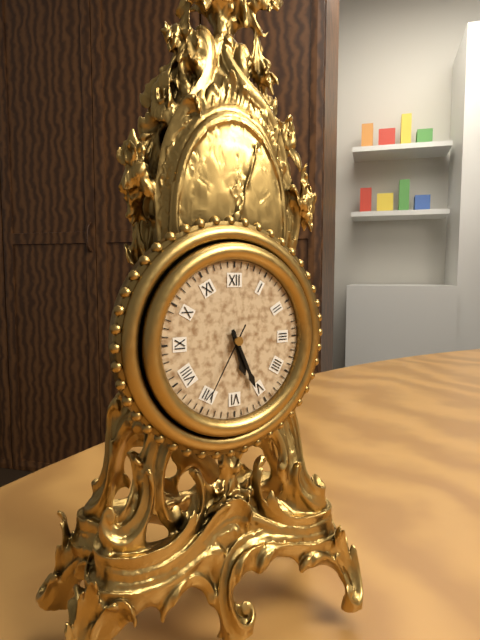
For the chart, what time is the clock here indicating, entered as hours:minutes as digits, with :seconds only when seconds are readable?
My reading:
5:26:35
